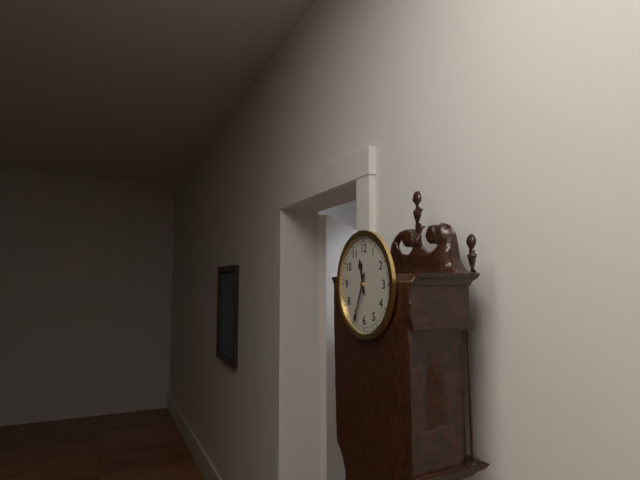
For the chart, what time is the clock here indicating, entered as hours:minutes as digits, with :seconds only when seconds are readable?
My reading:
11:34
